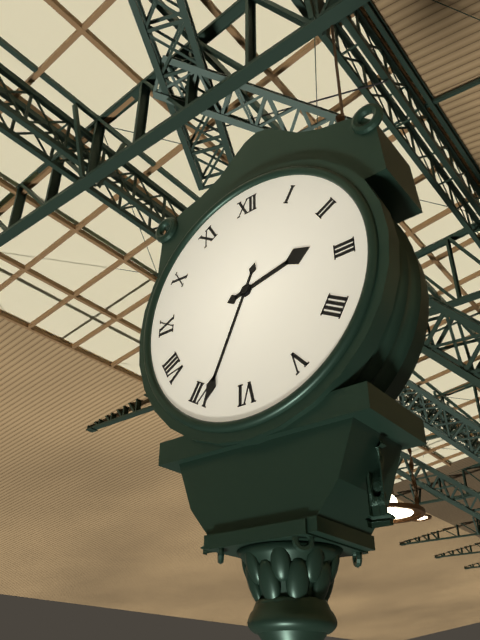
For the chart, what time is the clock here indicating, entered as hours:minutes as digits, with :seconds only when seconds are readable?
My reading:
2:34
